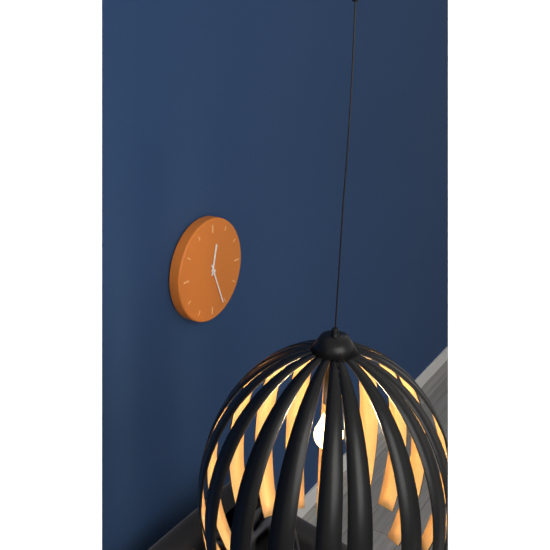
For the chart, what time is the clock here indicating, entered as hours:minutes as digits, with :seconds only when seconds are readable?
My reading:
12:26
